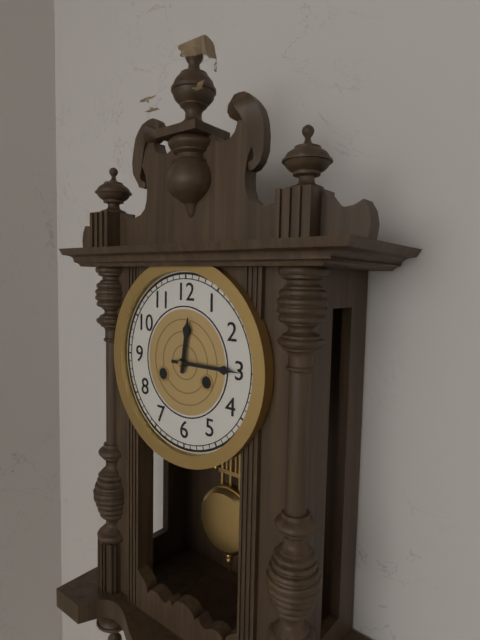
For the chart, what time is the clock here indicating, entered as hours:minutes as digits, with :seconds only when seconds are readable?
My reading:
12:15
